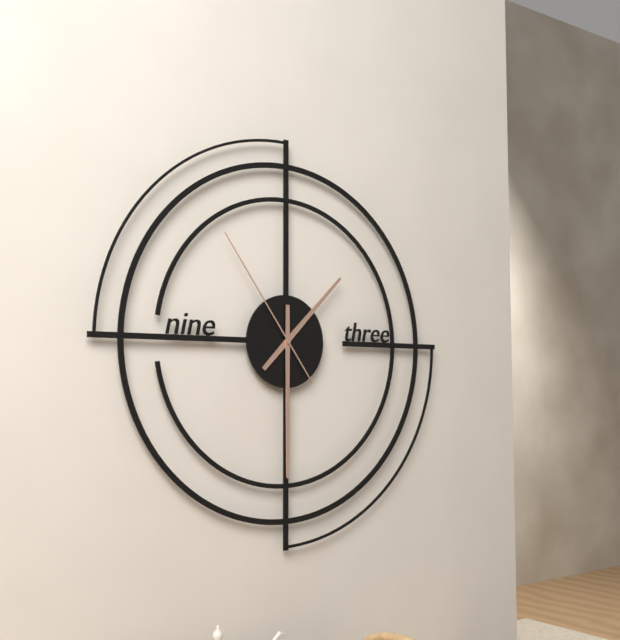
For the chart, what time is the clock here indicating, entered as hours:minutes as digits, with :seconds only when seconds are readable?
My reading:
1:30:54
